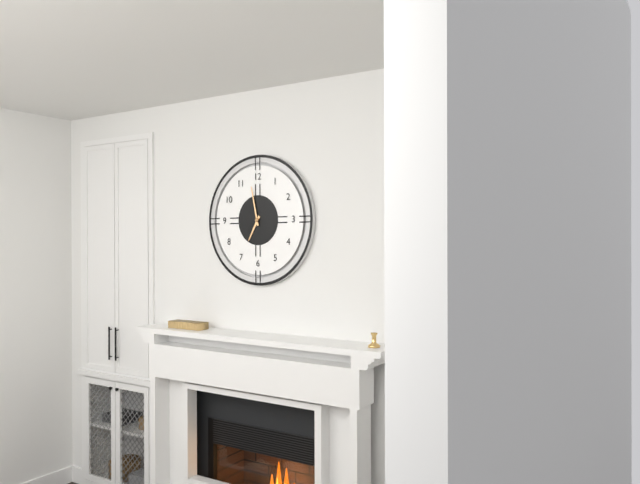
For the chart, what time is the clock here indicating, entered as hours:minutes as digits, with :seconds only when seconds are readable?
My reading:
6:58
